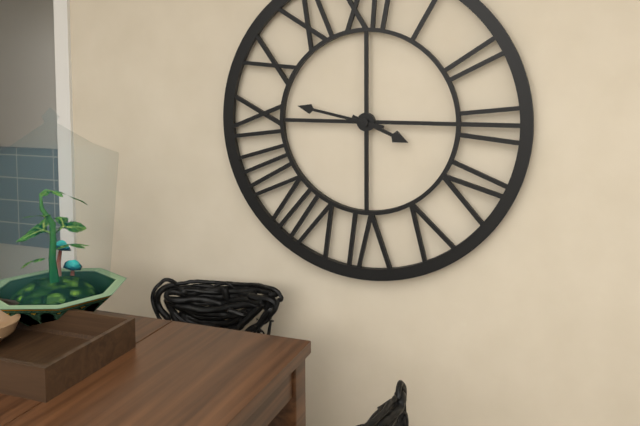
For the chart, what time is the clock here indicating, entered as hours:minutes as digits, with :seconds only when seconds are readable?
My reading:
3:47
